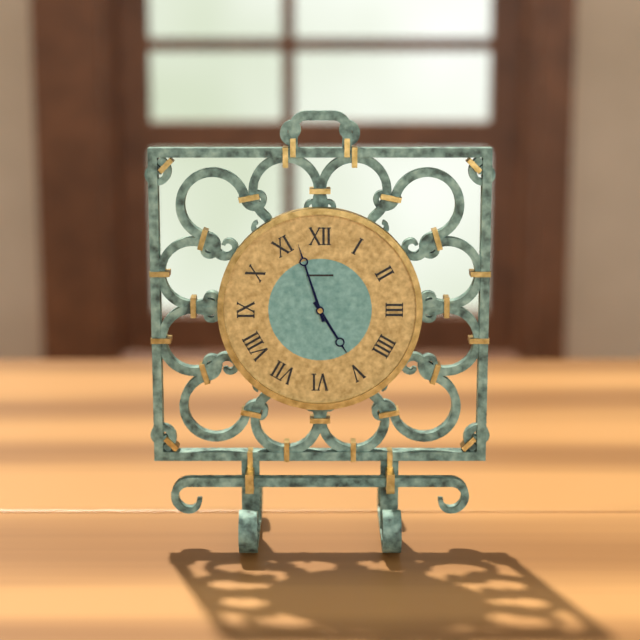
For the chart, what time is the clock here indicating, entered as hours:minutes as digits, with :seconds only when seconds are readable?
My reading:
4:57
